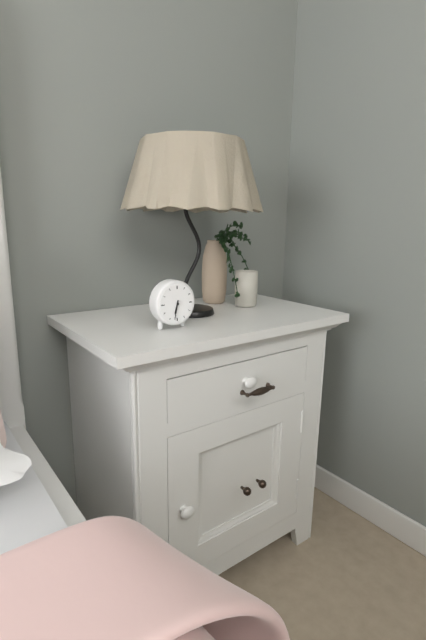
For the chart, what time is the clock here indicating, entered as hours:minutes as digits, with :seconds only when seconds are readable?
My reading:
6:32
